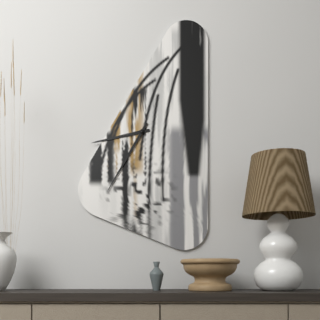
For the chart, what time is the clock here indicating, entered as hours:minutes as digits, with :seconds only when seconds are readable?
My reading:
8:35
